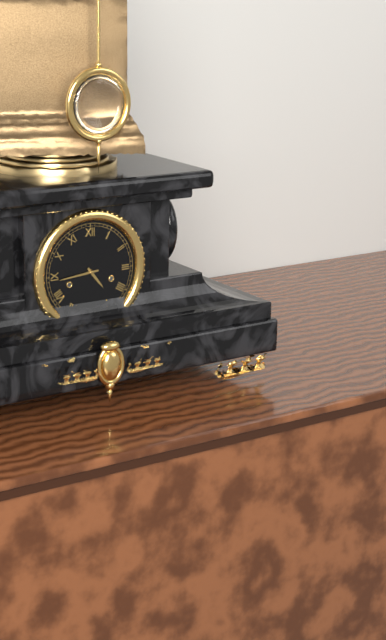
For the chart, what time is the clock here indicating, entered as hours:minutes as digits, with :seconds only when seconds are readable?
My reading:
4:44
